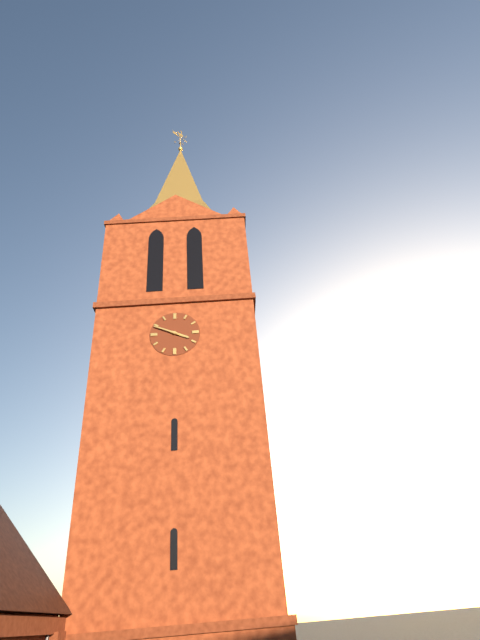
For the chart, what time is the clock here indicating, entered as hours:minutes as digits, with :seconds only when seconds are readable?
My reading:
3:49
